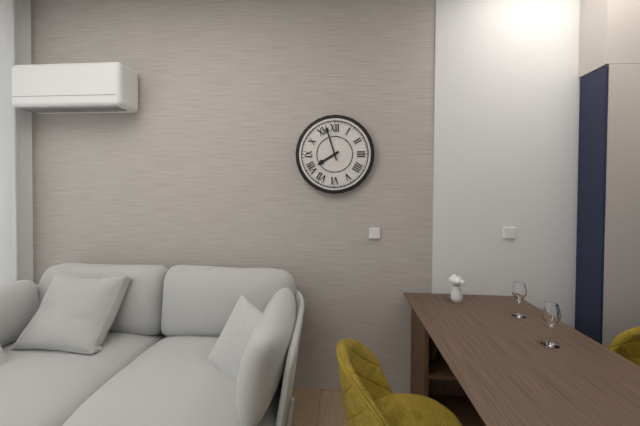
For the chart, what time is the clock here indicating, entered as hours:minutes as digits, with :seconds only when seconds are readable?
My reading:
7:57
